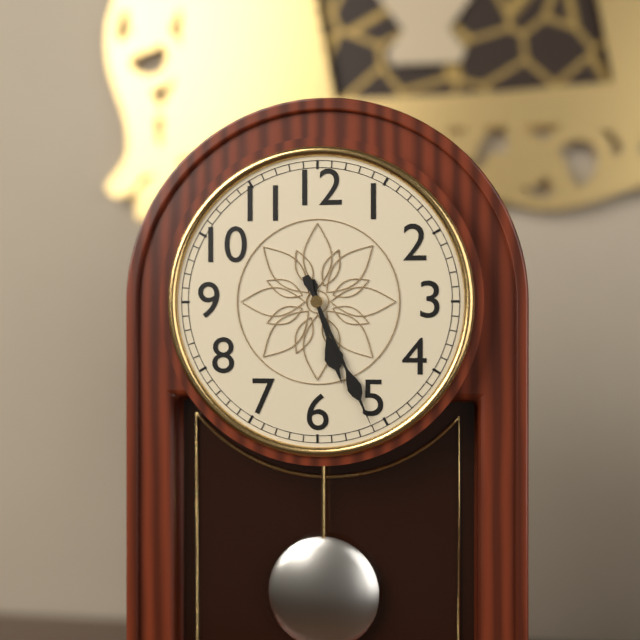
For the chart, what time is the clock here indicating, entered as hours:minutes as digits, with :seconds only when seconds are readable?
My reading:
5:26
